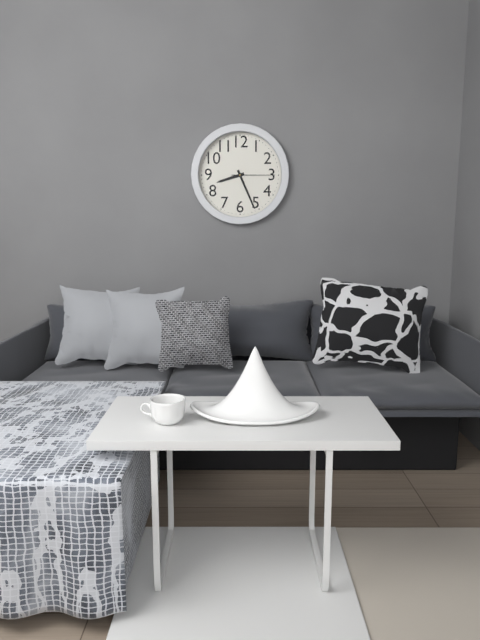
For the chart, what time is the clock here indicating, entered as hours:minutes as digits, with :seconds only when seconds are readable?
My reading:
8:26
